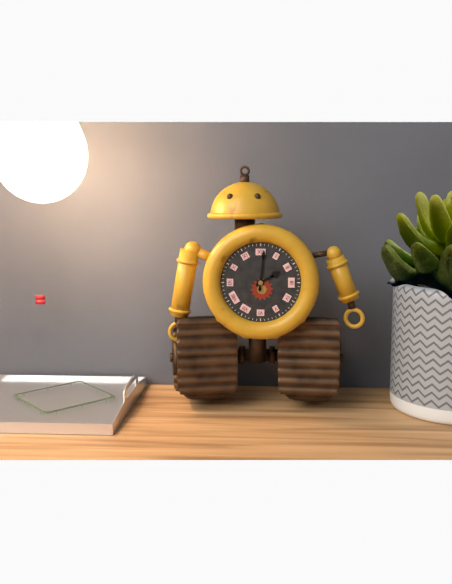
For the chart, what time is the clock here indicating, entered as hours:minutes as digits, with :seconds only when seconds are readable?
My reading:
2:01
